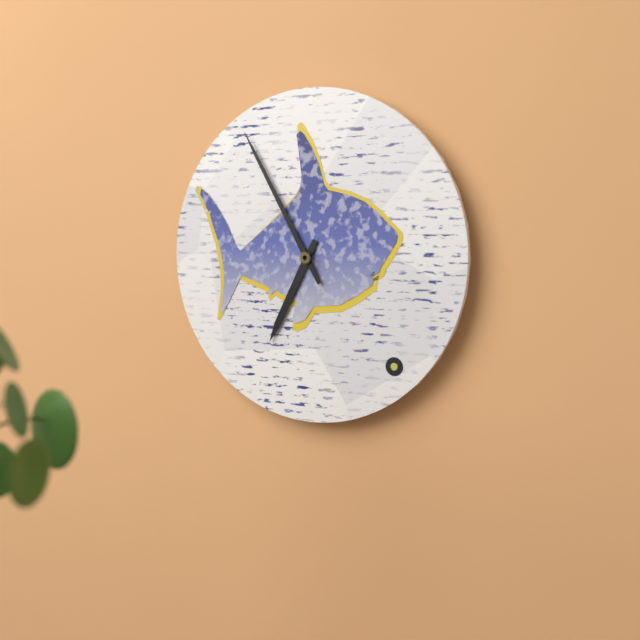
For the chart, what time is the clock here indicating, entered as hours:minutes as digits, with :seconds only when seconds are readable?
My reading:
6:55
